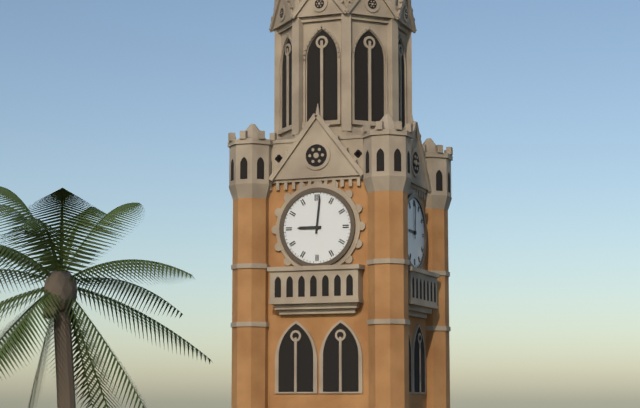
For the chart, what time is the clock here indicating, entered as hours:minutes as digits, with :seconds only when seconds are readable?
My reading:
9:01
